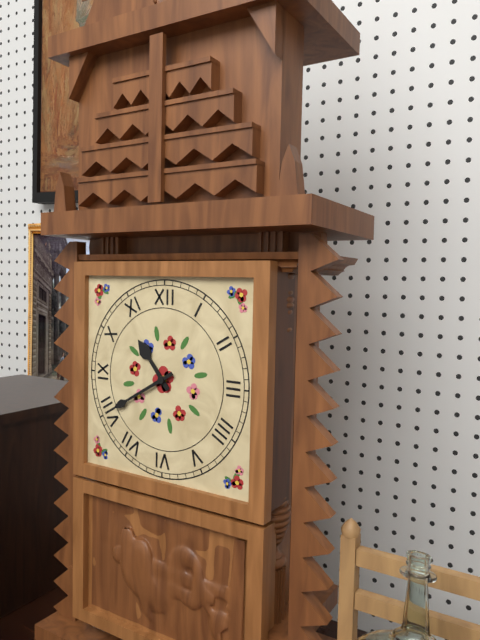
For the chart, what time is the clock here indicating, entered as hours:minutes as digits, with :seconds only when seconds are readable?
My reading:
10:40
